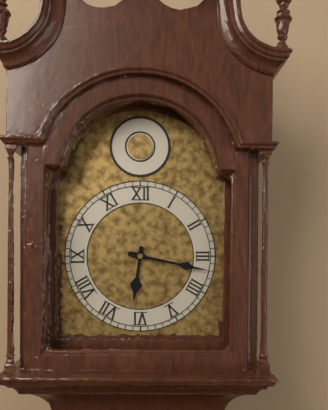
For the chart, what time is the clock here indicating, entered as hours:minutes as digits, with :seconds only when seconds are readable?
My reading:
6:17
